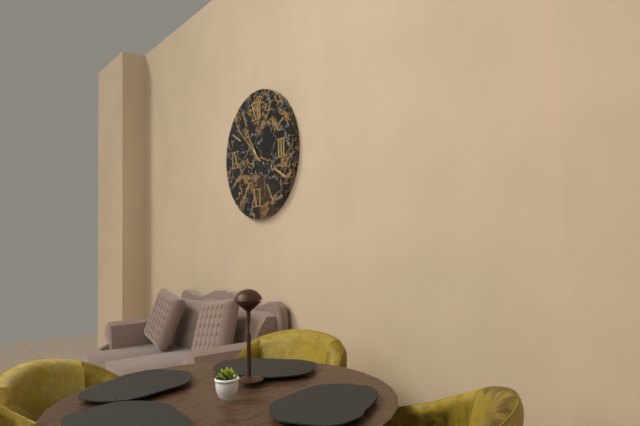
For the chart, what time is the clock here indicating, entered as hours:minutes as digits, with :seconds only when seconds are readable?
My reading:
10:52
